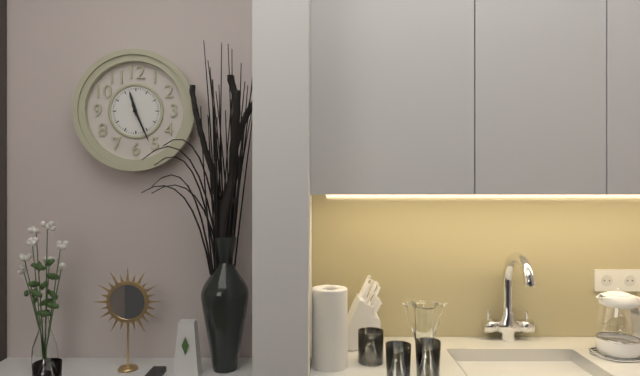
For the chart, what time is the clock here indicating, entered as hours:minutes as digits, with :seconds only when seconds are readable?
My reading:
11:26
